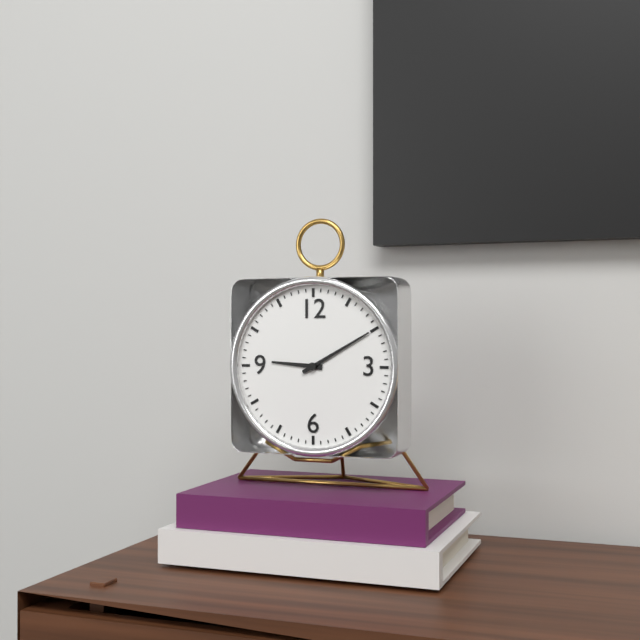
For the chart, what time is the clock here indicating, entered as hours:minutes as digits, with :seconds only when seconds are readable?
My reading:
9:10
